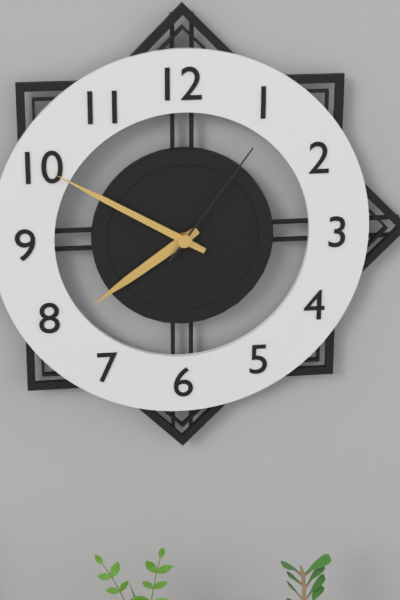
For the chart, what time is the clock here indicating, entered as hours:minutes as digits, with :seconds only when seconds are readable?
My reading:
7:50:06
